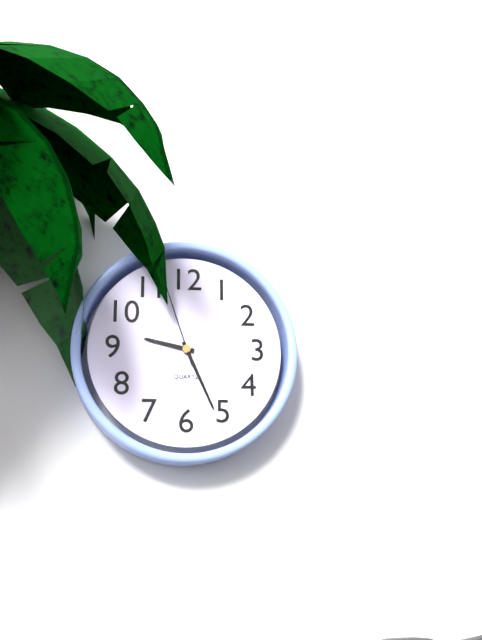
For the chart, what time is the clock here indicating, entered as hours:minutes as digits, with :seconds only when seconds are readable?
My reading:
9:26:57
